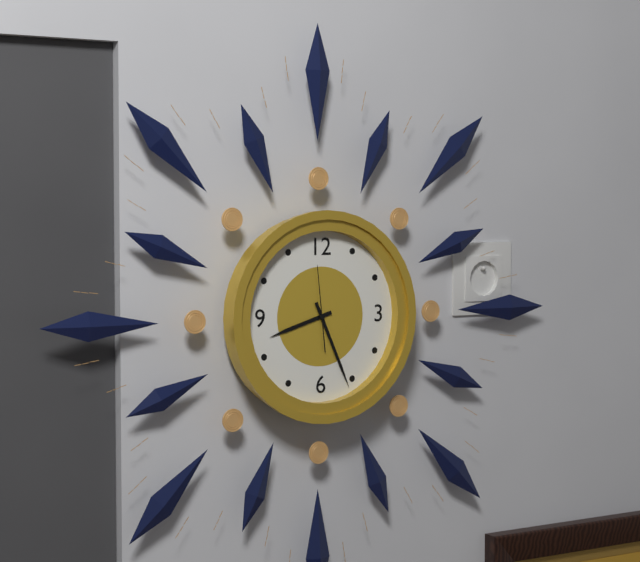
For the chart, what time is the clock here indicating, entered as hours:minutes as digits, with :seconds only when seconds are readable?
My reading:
8:26:59
